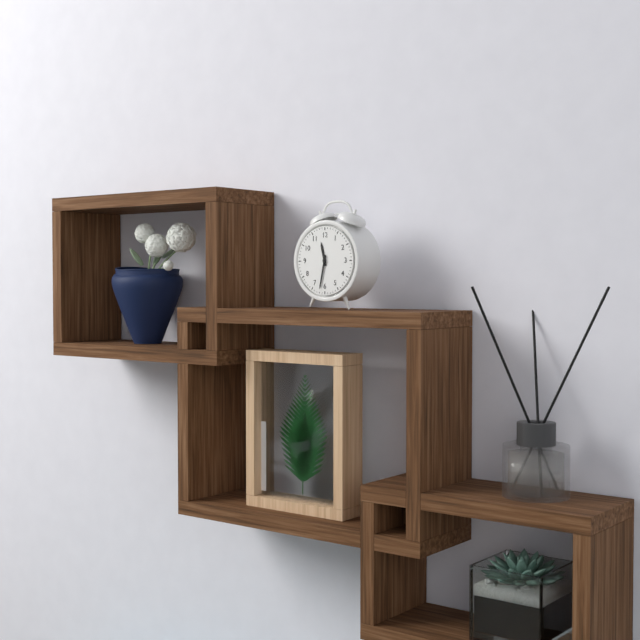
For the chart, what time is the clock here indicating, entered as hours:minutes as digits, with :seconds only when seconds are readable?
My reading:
11:32
